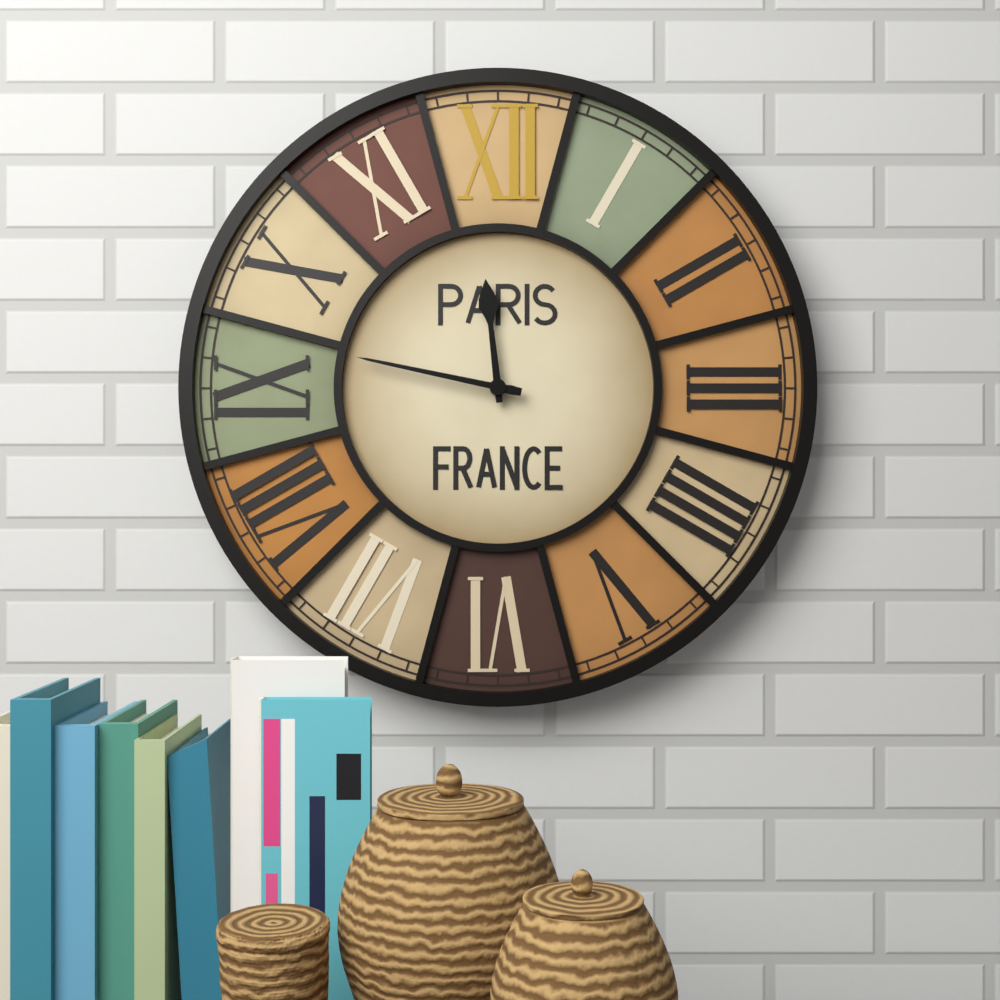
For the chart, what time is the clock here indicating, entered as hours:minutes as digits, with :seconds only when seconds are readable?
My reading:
11:47
